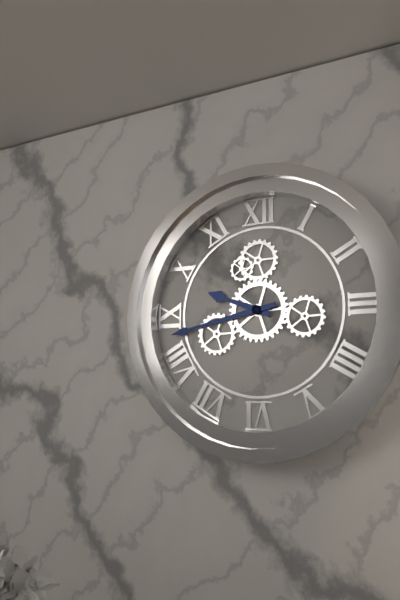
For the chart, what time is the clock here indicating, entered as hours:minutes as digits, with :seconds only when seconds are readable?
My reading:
9:43
